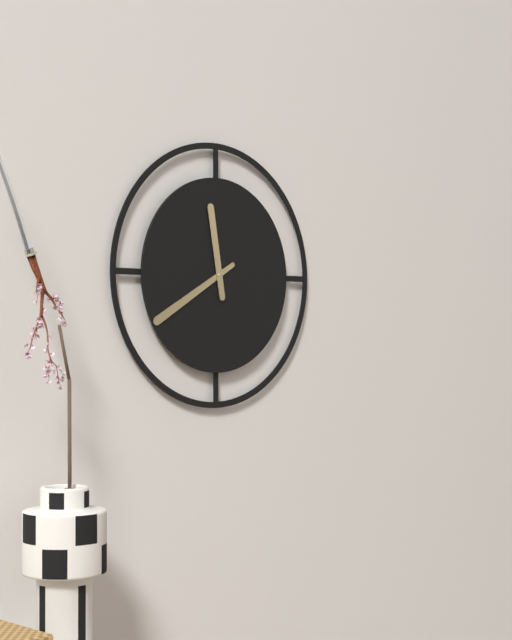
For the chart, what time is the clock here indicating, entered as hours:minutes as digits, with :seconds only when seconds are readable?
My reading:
11:40
